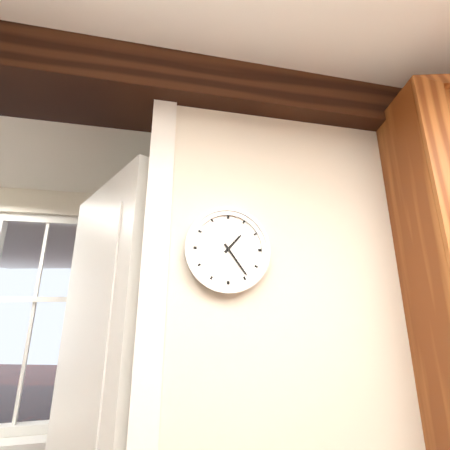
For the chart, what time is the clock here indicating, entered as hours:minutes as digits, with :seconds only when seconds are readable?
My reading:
1:24
